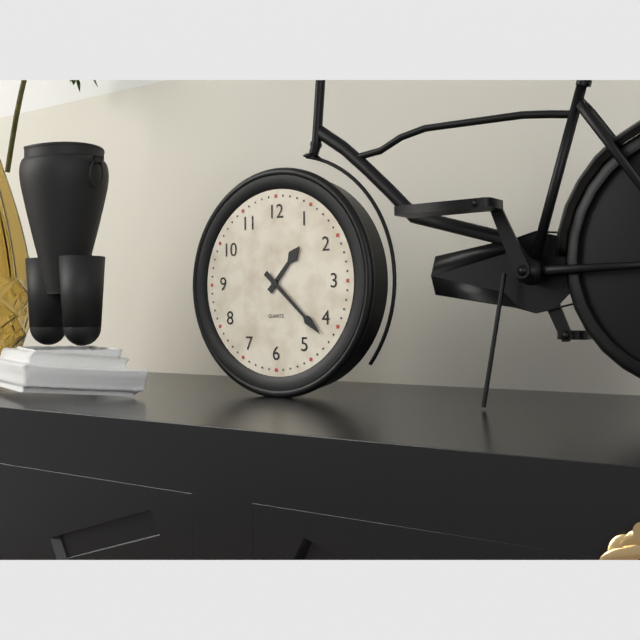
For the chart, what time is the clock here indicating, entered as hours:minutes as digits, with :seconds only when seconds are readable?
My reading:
1:22
